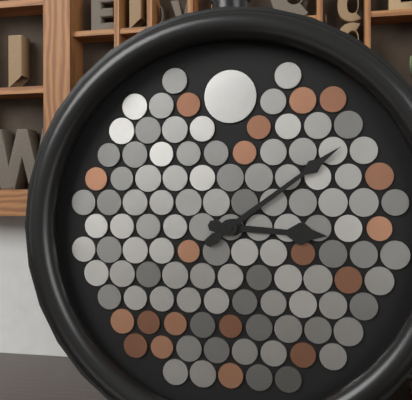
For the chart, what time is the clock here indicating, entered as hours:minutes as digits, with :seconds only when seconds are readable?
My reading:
3:09
